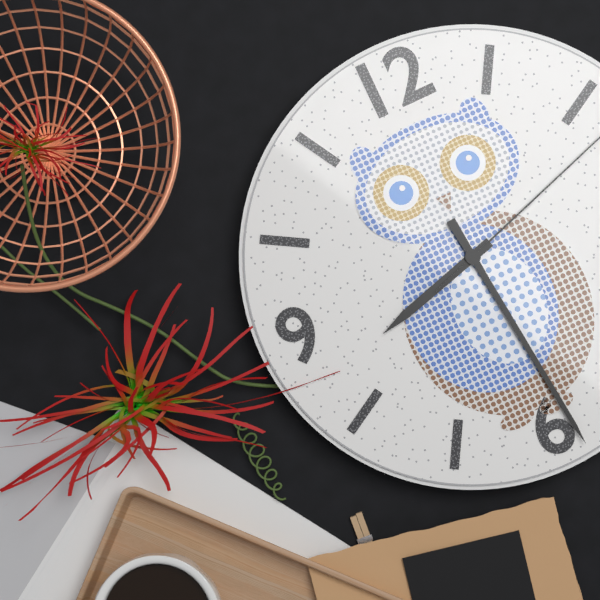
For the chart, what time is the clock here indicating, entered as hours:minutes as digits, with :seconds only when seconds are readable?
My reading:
8:29
